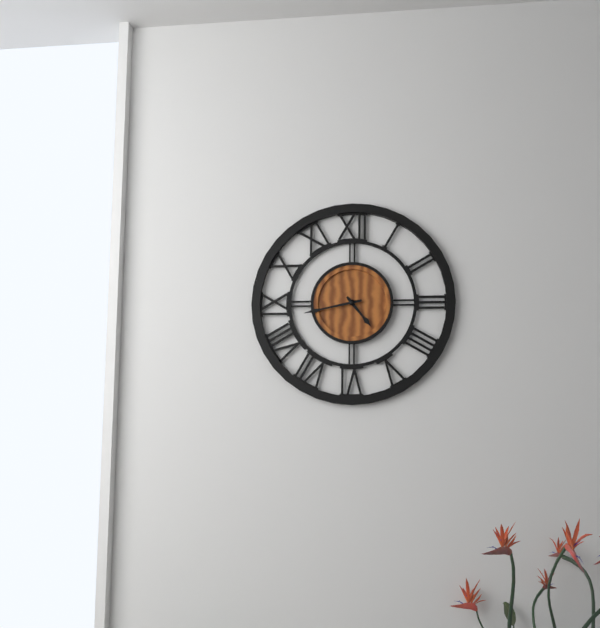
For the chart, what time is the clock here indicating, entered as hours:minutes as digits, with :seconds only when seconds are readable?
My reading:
4:43
